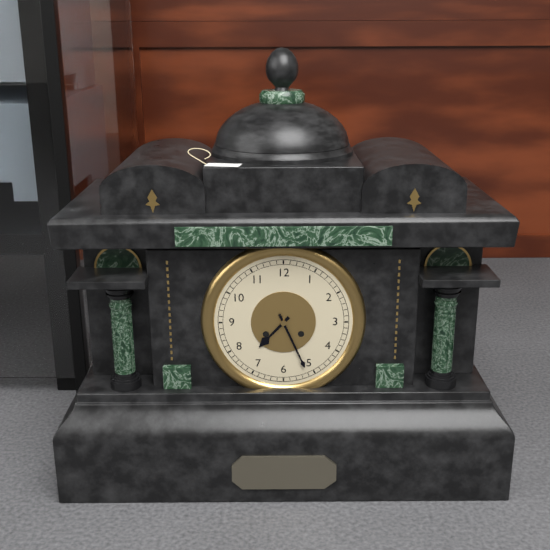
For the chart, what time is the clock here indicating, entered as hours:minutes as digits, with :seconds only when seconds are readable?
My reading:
7:26
